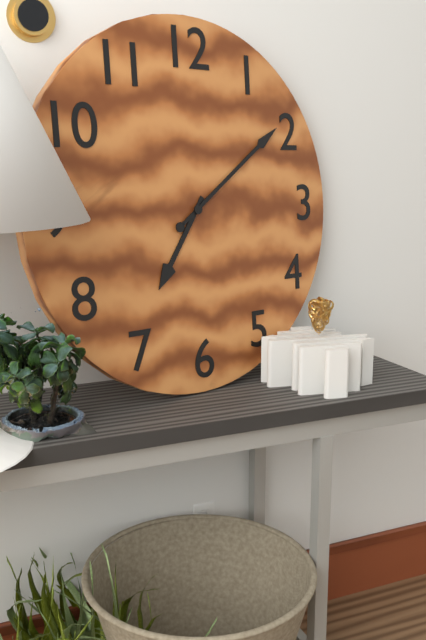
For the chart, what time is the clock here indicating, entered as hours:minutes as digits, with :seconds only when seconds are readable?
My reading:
7:09
